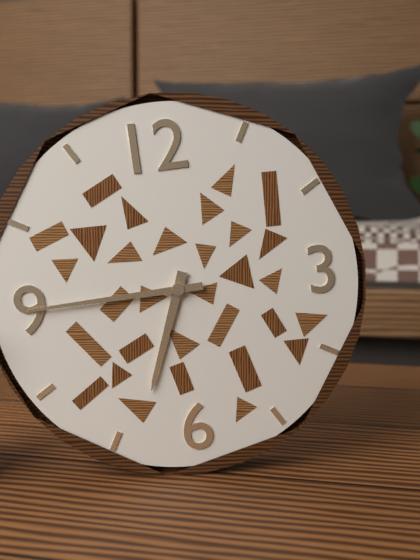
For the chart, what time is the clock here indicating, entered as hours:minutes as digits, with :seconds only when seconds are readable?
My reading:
6:45
